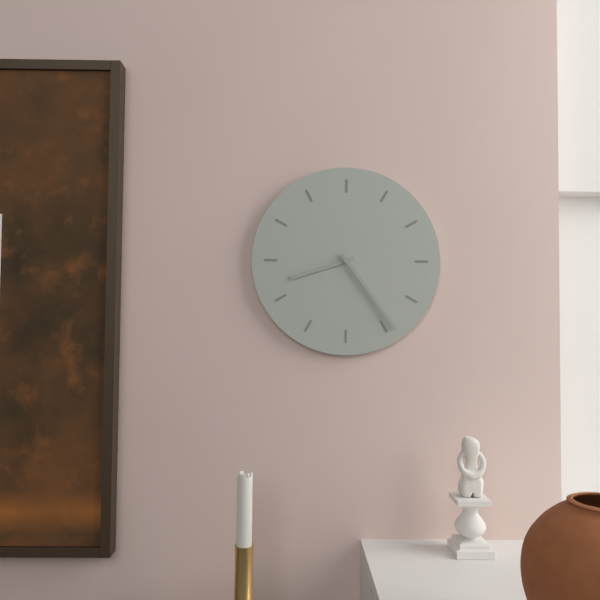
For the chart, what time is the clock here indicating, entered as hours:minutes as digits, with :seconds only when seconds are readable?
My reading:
8:24
